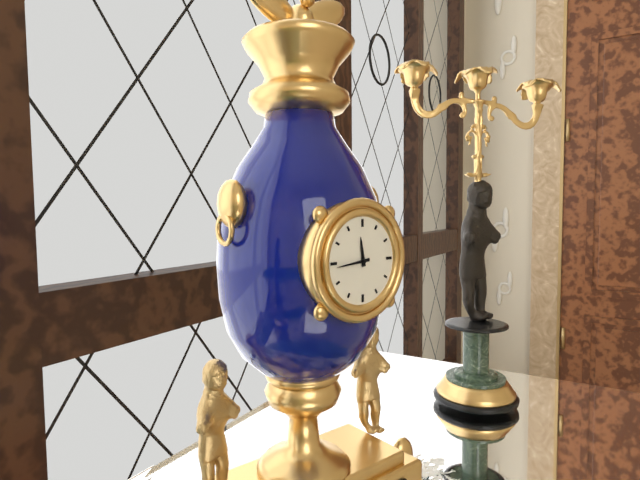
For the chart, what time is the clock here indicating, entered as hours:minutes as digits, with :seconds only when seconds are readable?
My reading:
11:44
